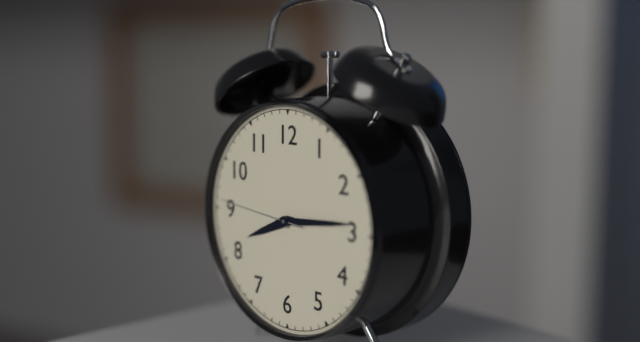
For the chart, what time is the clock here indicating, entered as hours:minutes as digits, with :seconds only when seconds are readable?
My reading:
8:14:46
